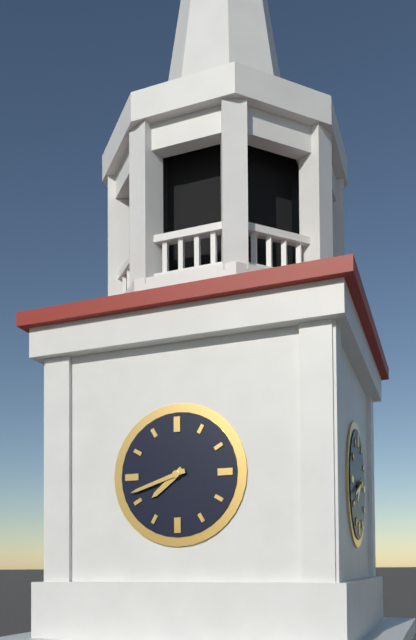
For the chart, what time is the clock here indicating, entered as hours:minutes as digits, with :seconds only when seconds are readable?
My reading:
7:42
